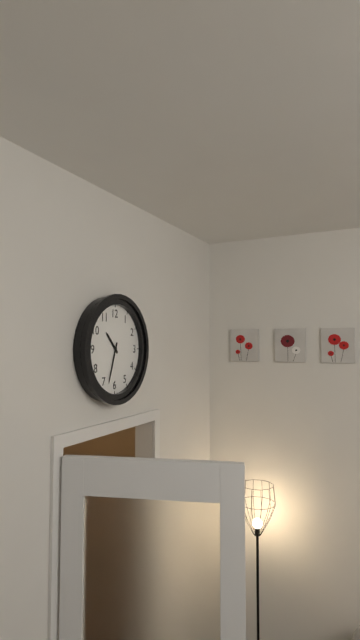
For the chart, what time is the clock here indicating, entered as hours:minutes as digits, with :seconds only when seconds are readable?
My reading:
10:33
